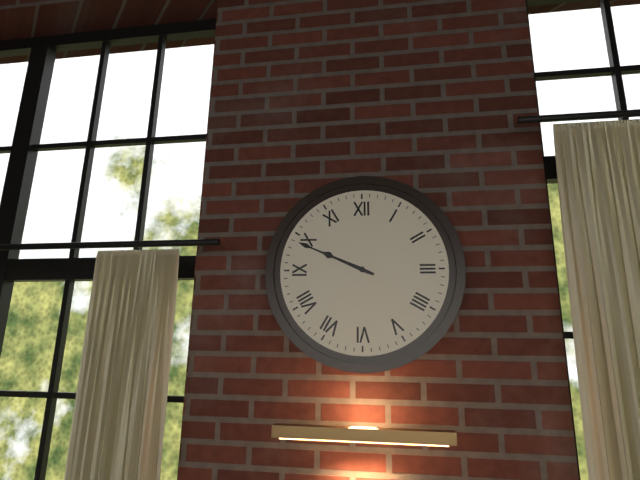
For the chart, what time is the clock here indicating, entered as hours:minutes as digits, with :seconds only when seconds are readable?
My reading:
9:49
